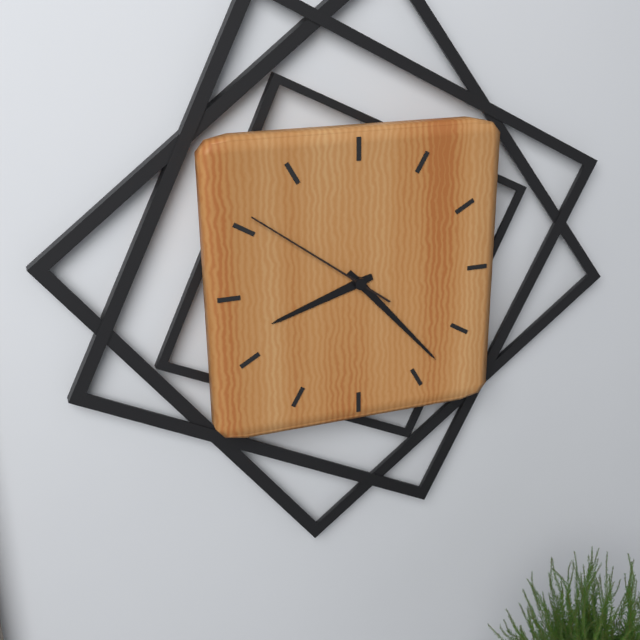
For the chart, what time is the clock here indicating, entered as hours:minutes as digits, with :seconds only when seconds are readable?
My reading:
8:23:51
